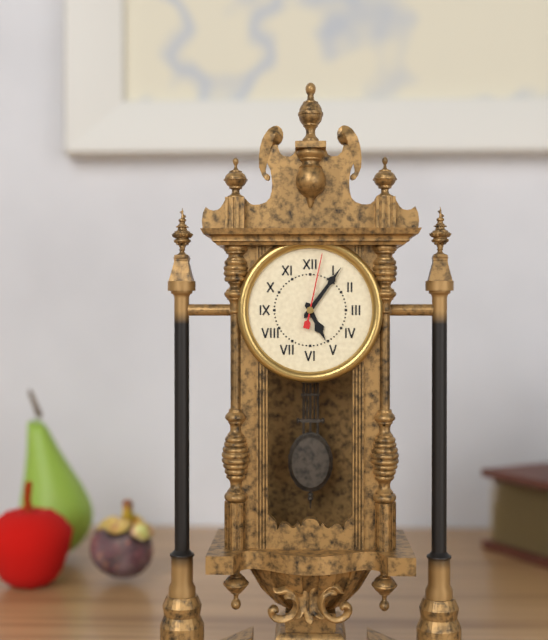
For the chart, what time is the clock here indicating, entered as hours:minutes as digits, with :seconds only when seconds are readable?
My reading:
5:06:02
